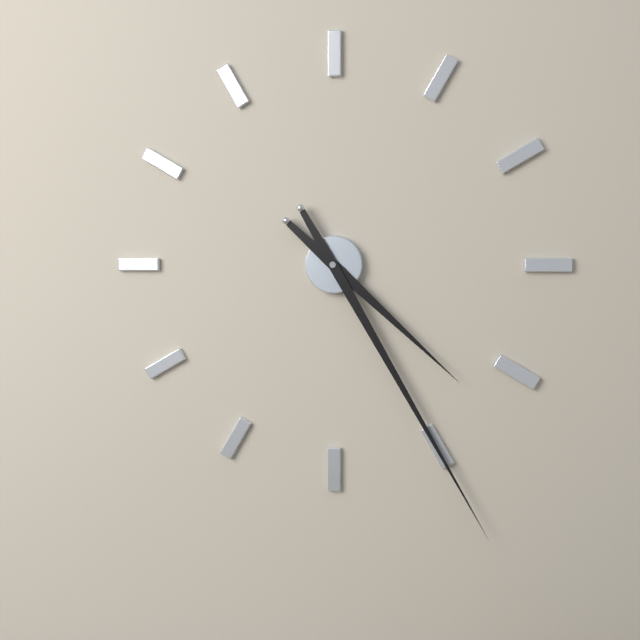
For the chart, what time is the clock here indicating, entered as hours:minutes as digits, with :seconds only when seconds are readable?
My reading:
4:25
